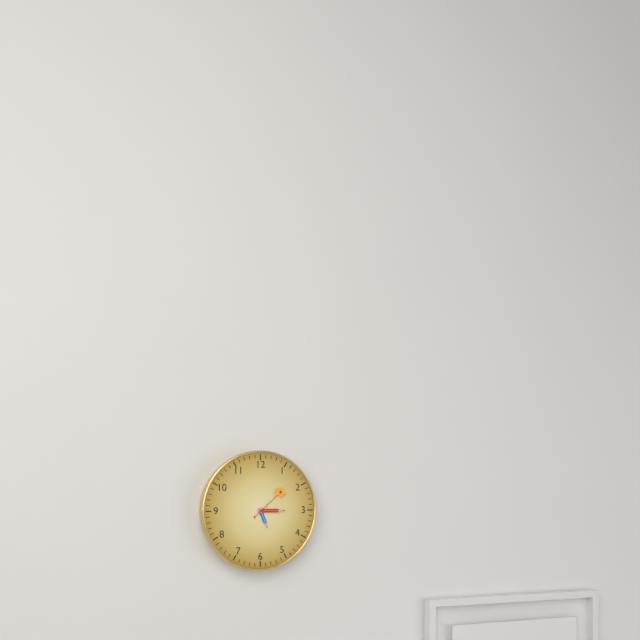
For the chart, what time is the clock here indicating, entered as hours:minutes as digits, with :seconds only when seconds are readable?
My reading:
5:15
